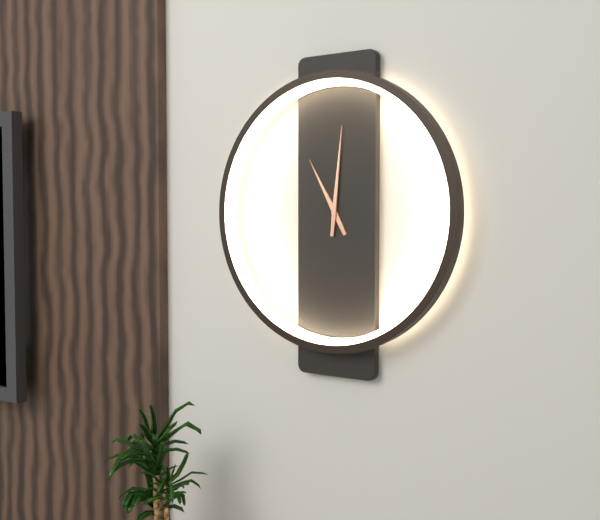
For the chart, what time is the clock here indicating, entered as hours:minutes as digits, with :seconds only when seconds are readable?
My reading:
11:01
